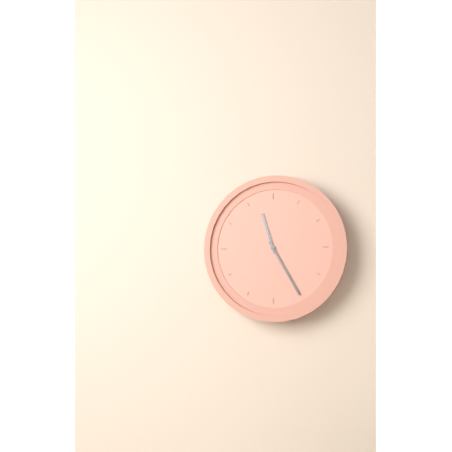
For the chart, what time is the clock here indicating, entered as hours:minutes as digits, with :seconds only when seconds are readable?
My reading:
11:25
